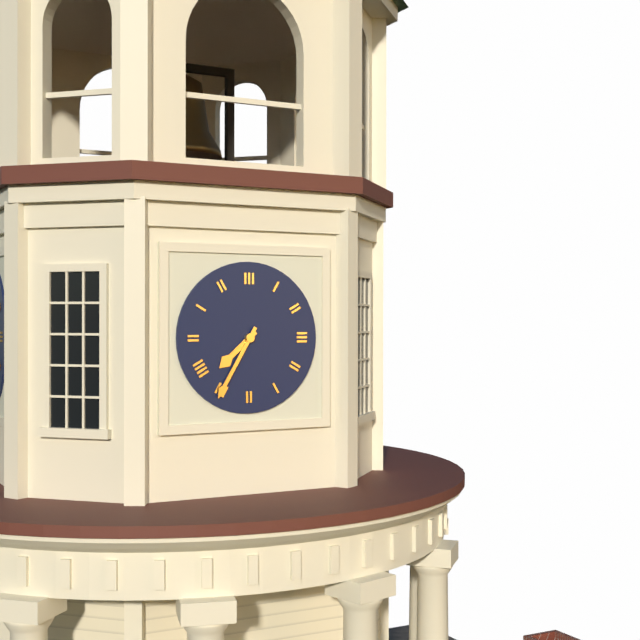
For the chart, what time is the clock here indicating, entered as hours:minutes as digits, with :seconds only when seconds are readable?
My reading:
7:35
